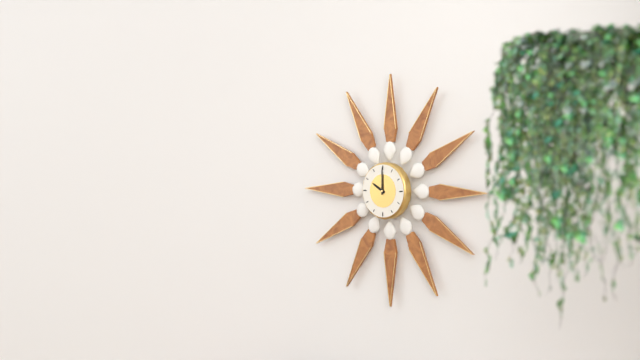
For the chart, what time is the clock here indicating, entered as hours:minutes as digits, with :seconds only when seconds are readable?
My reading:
10:00
